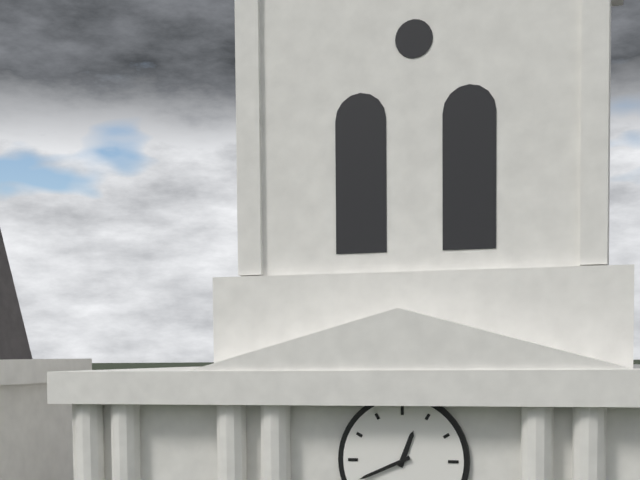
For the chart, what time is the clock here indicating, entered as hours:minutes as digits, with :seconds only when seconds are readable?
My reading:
12:41
